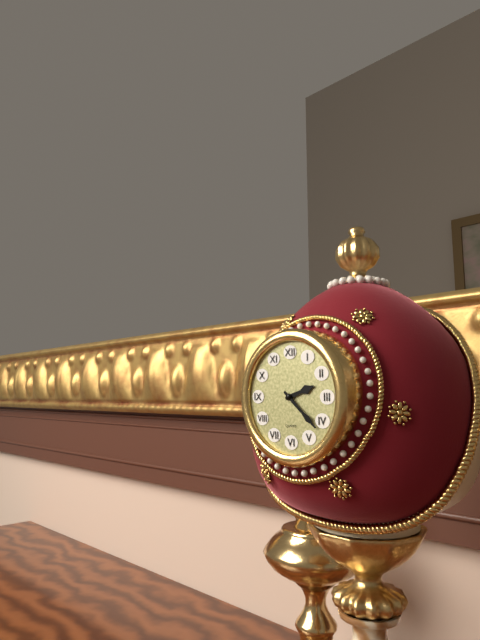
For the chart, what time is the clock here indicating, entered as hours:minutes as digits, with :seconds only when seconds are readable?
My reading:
2:22
